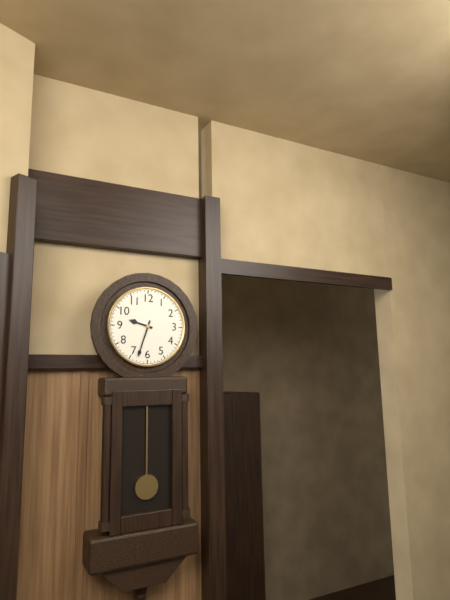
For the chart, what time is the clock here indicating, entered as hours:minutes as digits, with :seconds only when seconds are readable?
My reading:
9:33
